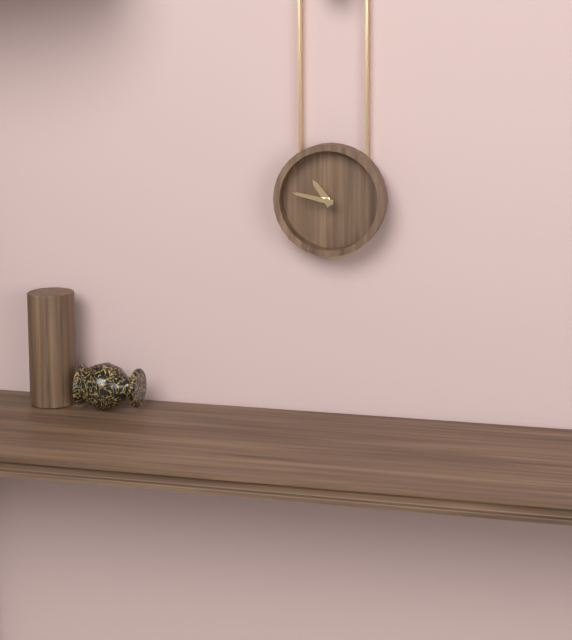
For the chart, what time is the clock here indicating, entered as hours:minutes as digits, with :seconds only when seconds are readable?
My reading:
10:47
